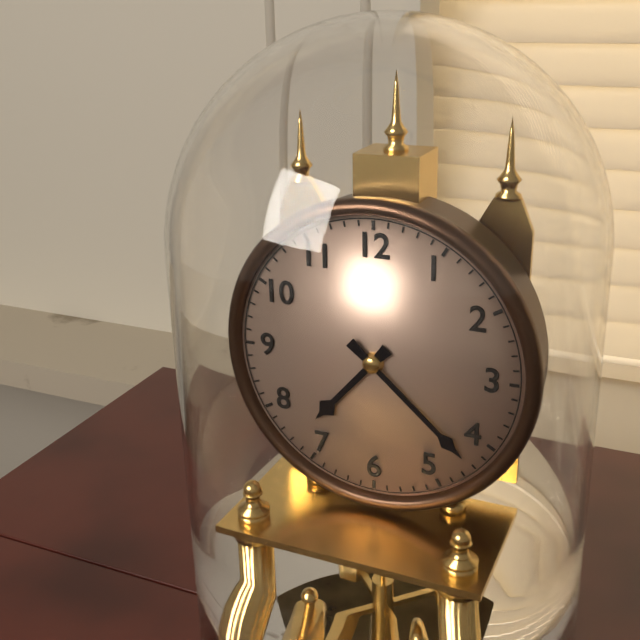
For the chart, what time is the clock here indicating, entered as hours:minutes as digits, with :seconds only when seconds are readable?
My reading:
7:22
